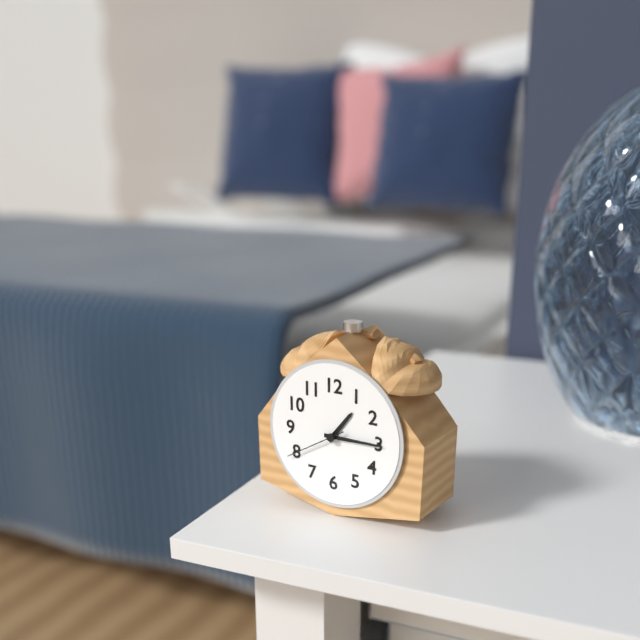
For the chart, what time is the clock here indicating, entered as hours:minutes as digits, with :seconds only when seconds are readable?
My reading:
1:15:40
